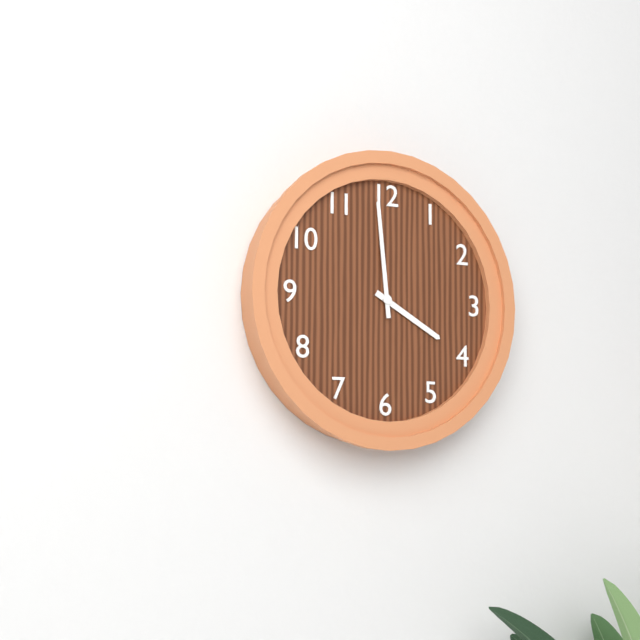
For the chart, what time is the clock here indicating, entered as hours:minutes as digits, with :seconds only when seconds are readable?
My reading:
3:59
